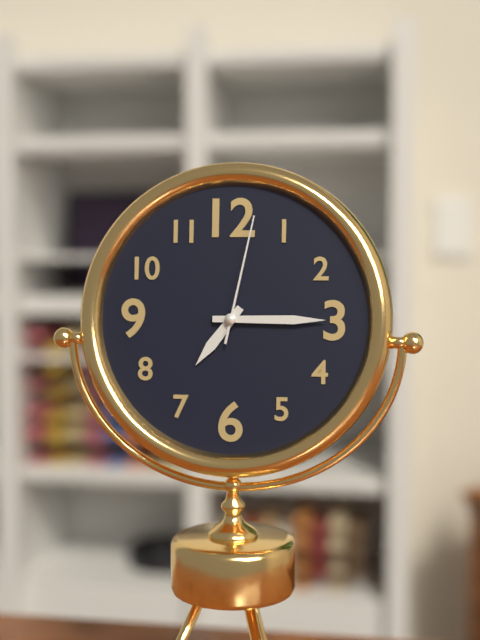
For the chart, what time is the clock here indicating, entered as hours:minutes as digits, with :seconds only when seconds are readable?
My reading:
7:15:02
